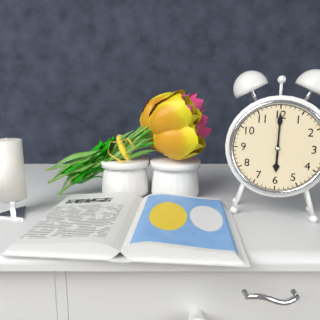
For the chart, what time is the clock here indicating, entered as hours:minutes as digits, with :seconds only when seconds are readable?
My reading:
6:00
